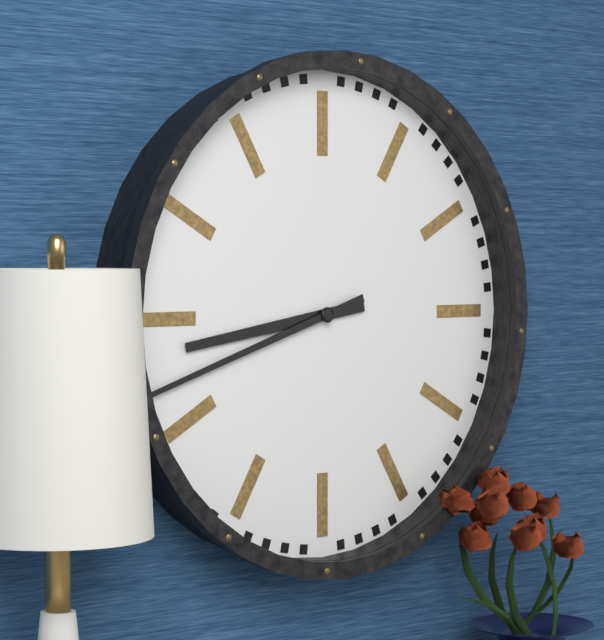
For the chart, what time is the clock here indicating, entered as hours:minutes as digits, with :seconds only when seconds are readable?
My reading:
8:42
